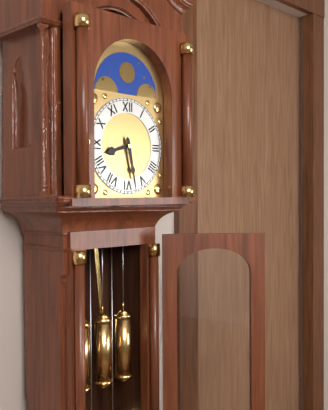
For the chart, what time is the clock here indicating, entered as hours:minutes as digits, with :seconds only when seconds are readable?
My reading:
8:28
